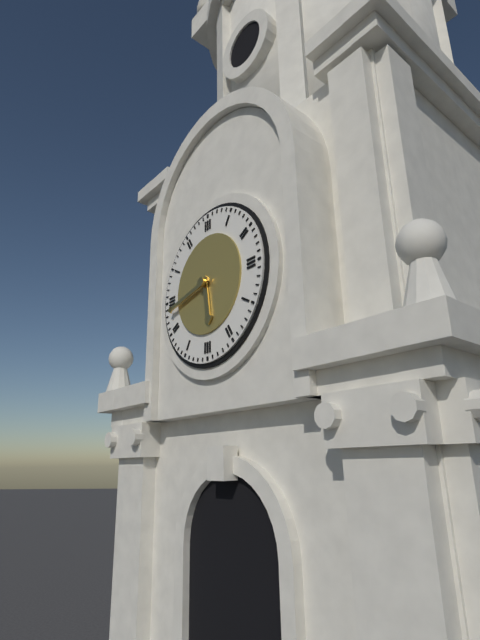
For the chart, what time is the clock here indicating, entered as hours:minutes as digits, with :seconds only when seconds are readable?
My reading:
5:43
